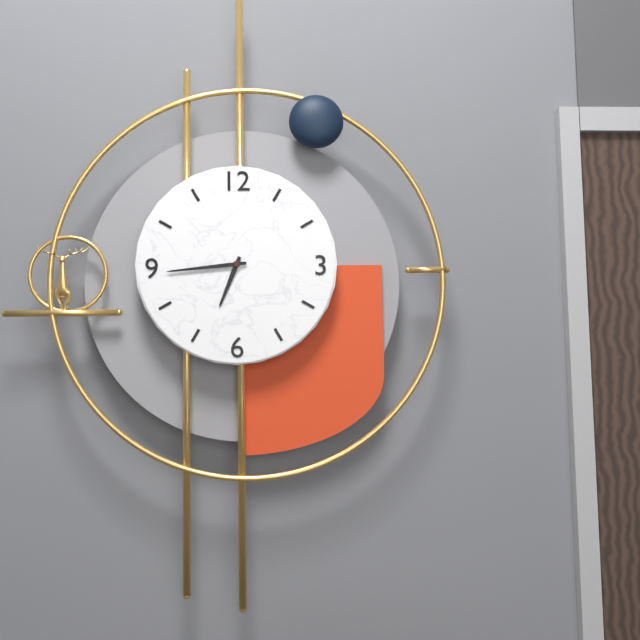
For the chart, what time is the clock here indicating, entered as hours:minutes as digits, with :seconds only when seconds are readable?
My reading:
6:44
